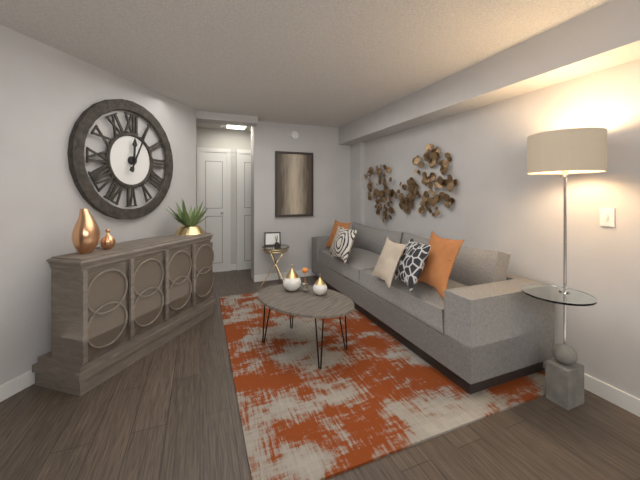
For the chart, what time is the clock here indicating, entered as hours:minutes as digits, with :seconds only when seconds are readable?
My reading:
12:04
